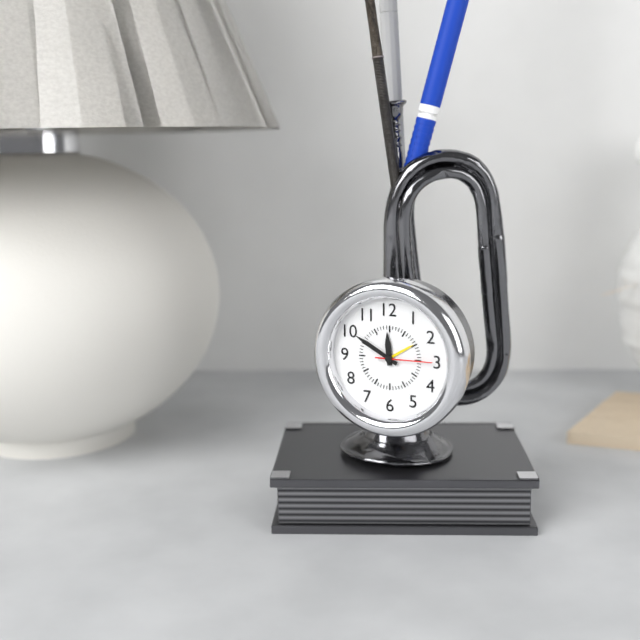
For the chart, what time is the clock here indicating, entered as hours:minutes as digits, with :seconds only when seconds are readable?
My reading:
11:50:15
